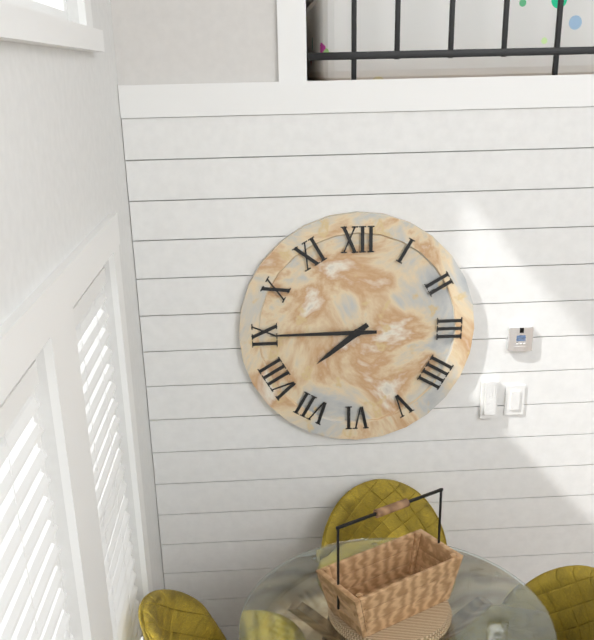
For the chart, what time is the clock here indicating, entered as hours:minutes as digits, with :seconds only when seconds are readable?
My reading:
7:45
